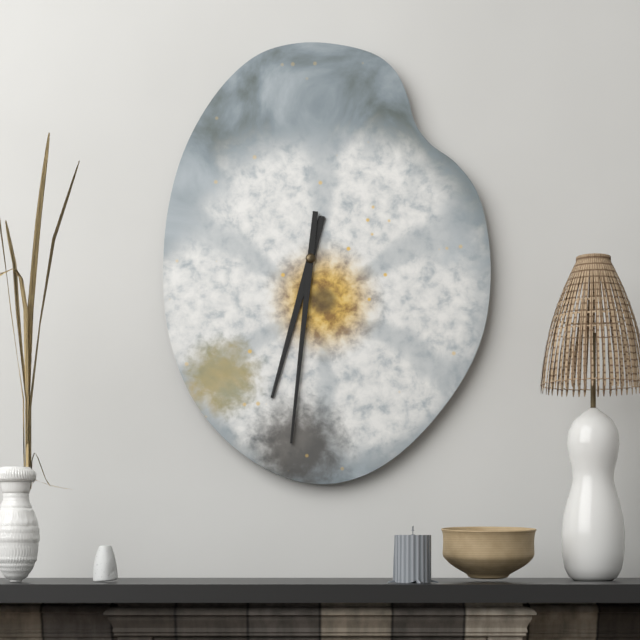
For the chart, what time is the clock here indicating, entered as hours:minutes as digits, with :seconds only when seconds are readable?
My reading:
6:31
